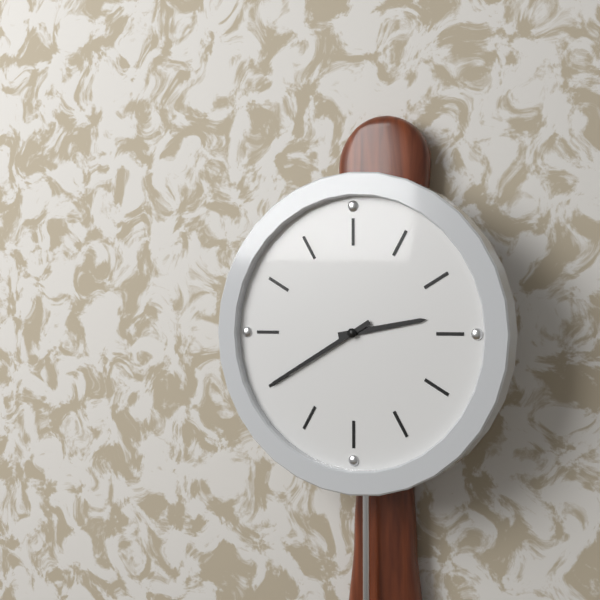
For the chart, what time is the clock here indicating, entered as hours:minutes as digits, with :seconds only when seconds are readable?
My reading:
2:40
